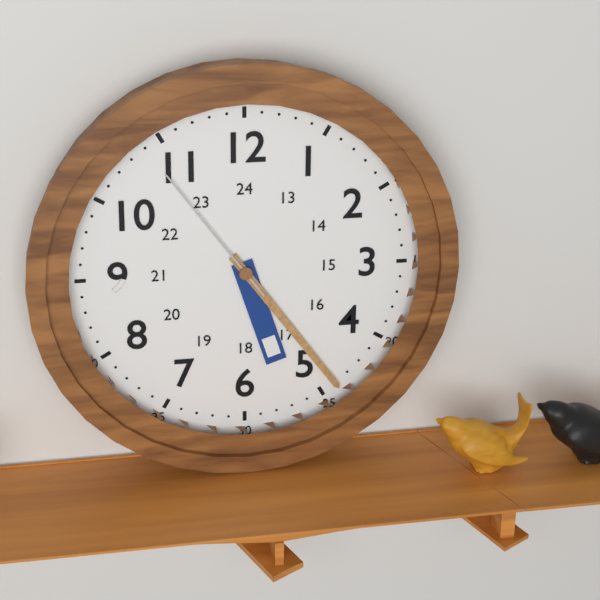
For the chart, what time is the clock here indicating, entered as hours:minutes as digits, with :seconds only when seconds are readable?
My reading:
5:24:54
